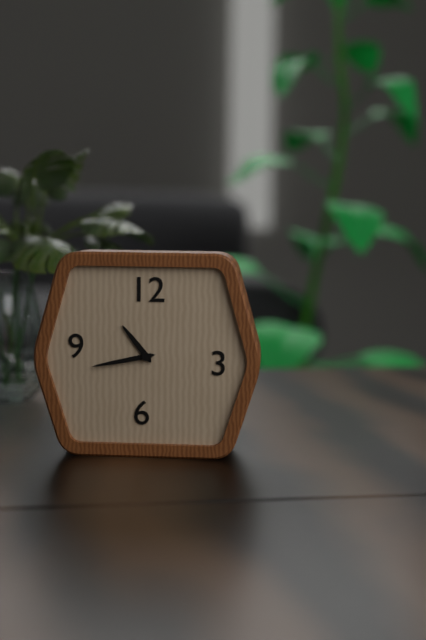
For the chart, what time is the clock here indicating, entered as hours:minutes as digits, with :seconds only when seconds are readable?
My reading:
10:43
